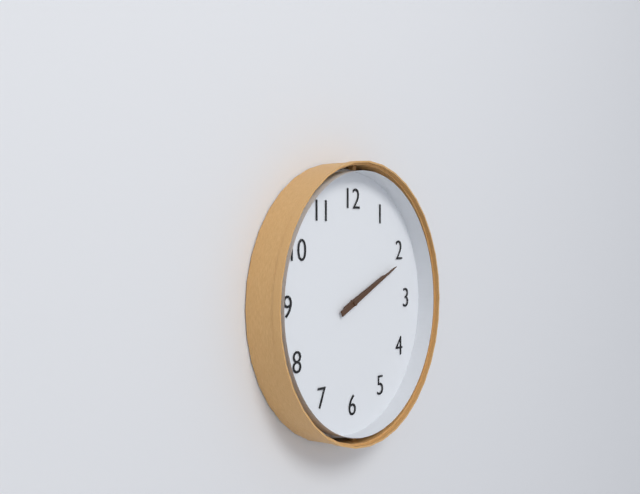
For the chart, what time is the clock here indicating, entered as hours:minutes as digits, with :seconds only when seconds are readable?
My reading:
2:11
